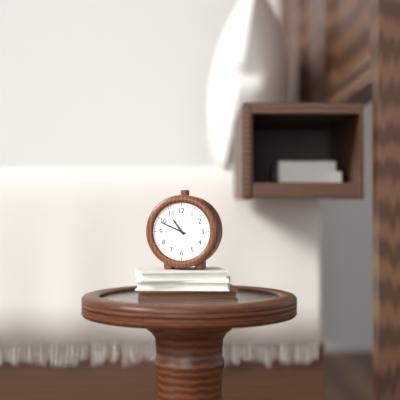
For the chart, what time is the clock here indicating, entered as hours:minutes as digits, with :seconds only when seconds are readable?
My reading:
10:49
